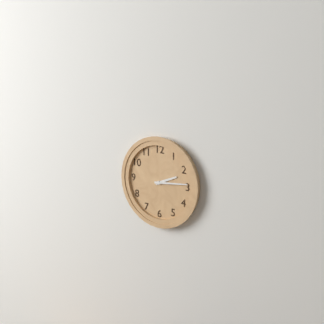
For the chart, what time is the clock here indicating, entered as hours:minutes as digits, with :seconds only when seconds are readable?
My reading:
2:14
